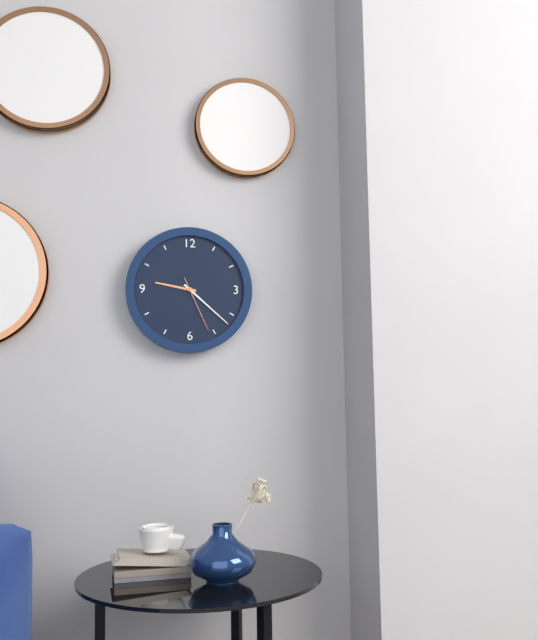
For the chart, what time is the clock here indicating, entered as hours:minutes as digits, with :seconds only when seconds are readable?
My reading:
9:22:26
